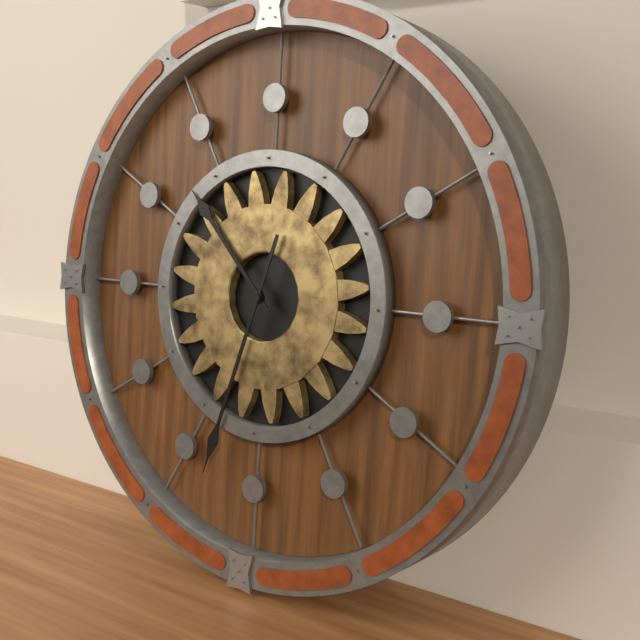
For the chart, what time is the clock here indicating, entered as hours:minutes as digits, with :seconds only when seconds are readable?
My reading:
10:33
